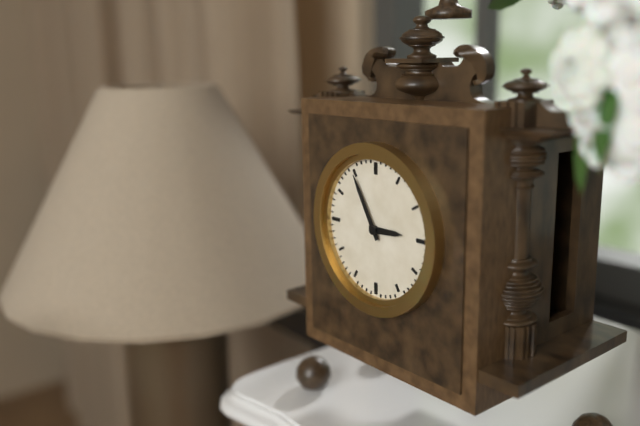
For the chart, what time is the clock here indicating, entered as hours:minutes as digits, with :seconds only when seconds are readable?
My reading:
2:55
